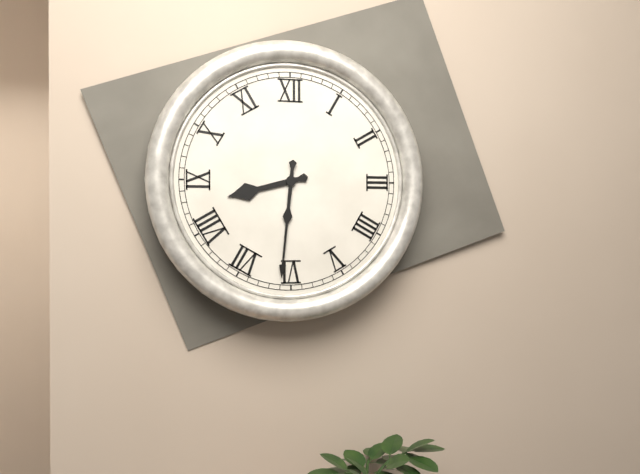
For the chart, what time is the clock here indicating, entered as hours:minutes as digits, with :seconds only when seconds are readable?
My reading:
8:31
